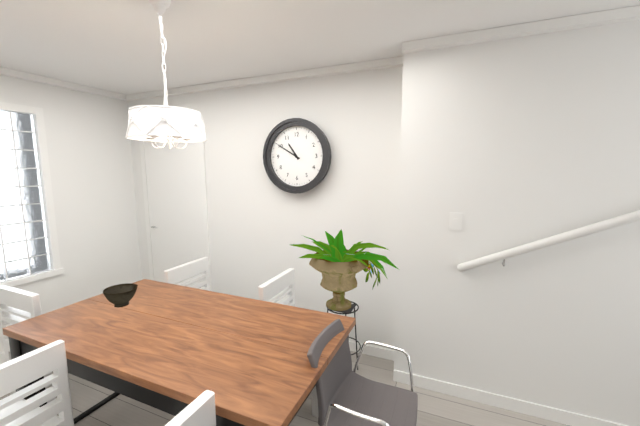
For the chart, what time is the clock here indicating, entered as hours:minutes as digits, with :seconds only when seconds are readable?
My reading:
10:50
